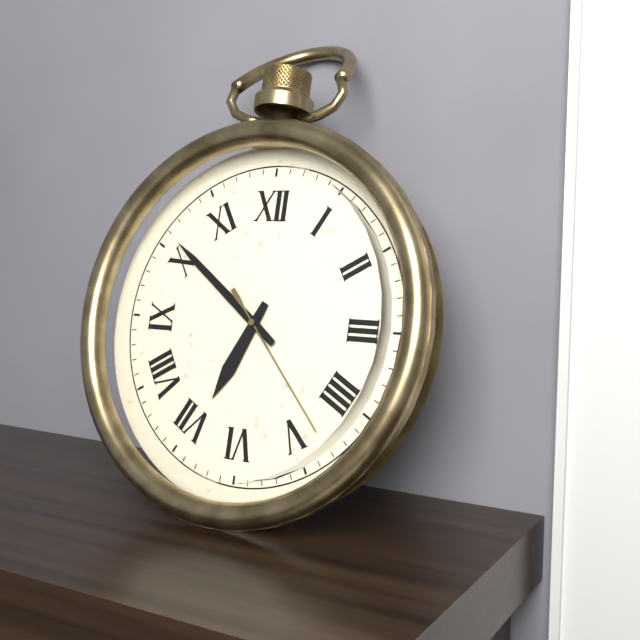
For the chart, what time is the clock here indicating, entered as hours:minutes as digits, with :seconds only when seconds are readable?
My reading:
6:51:23
